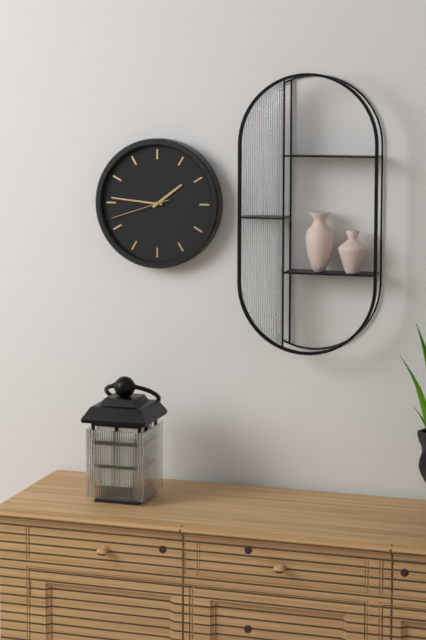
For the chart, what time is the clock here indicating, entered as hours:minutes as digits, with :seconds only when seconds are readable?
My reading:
1:46:42
